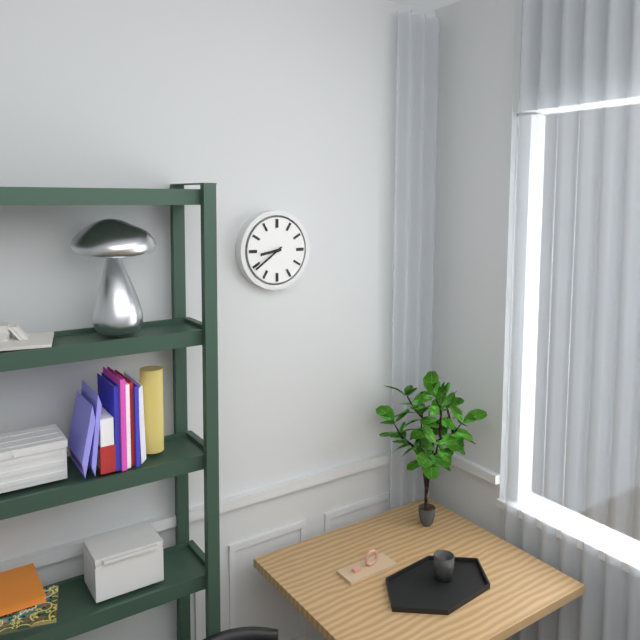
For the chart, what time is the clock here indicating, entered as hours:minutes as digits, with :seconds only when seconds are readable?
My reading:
8:39
